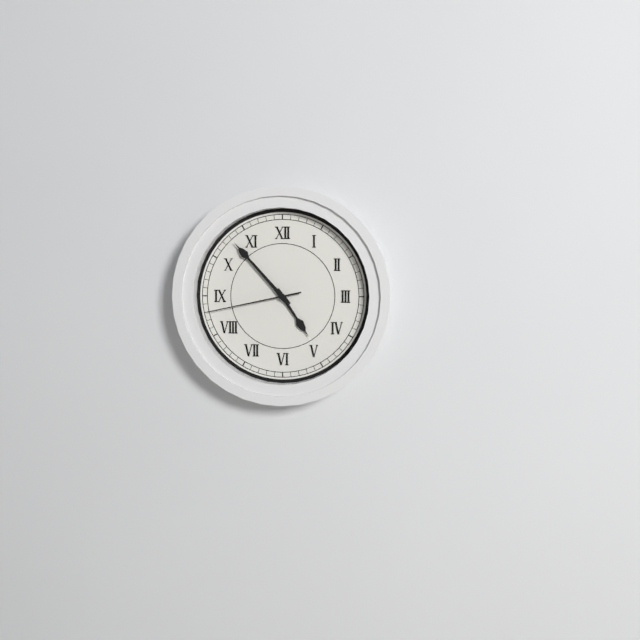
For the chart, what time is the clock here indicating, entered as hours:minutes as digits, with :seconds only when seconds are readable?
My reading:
4:53:43
